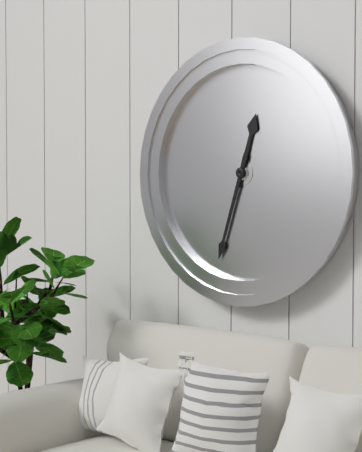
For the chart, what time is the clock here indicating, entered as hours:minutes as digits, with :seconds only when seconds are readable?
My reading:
12:33
